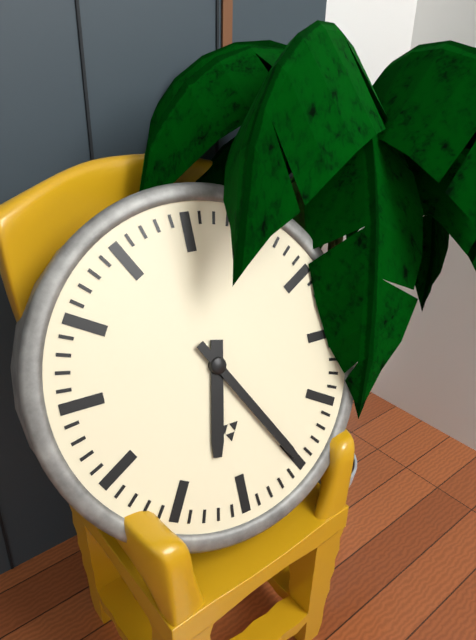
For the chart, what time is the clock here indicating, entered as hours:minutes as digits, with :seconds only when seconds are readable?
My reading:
6:25
